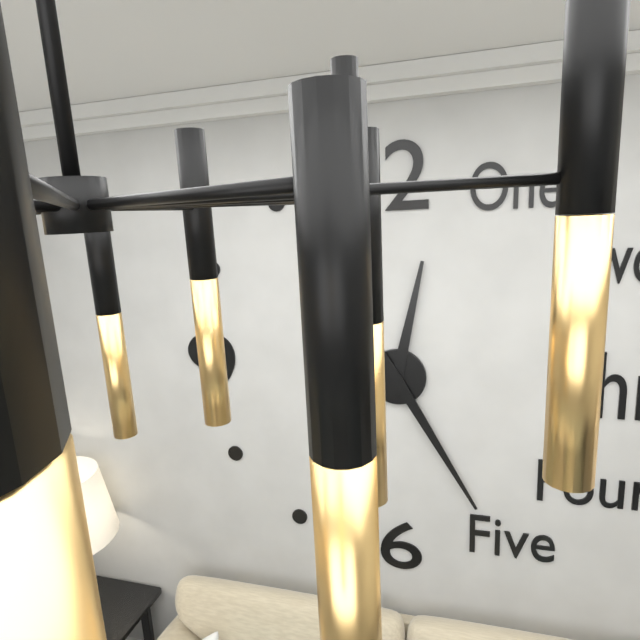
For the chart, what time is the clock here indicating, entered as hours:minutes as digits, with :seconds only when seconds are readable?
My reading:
12:25
